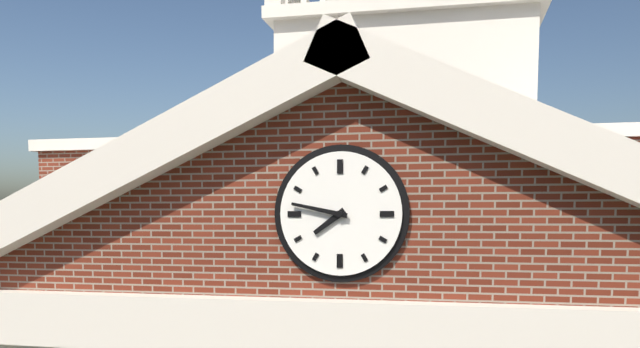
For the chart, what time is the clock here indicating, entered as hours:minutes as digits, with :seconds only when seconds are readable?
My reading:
7:47
